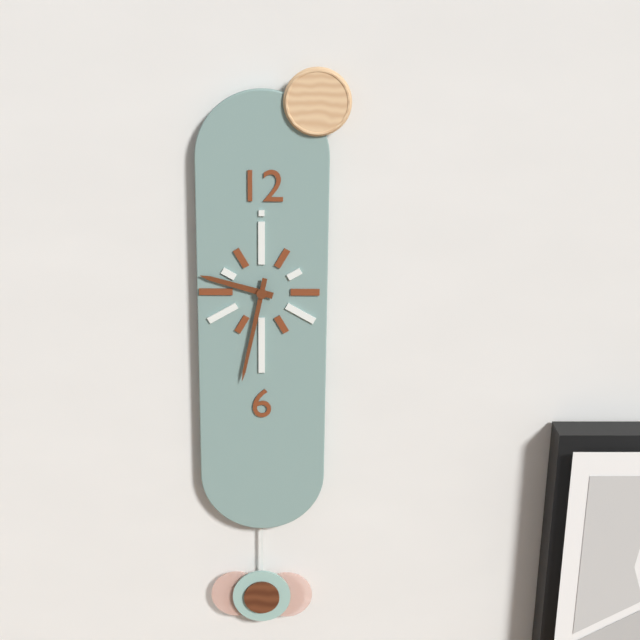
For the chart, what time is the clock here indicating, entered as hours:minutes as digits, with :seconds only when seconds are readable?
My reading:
9:32
